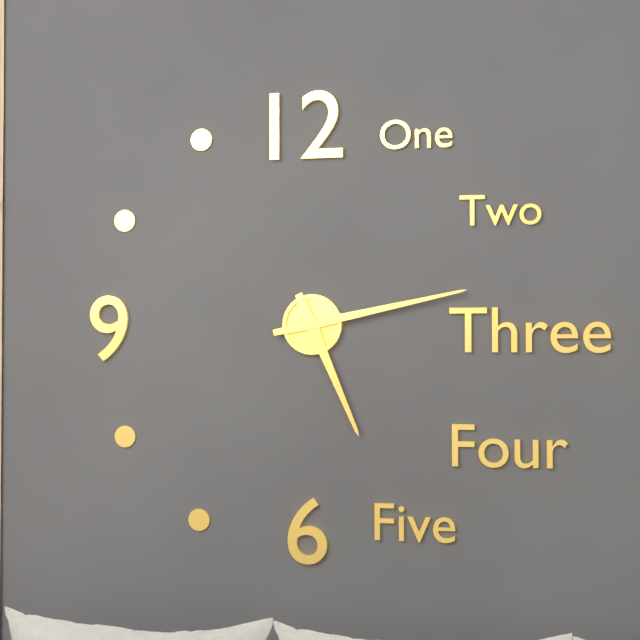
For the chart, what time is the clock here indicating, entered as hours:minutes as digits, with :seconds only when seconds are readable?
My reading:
5:13
